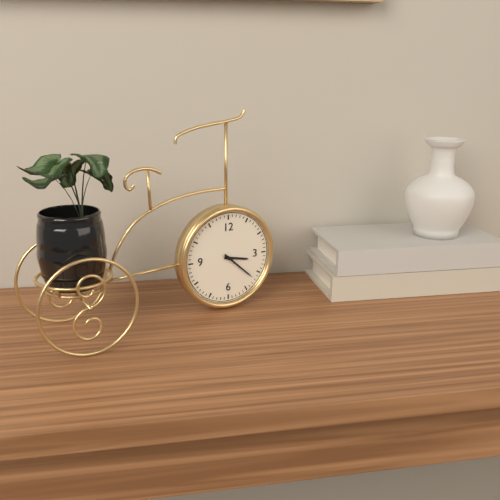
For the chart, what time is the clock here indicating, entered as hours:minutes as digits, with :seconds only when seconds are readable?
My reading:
3:22
